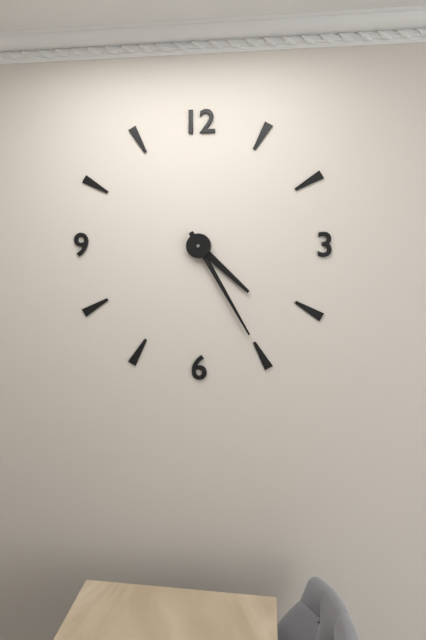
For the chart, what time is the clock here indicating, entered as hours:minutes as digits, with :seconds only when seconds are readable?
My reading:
4:25
